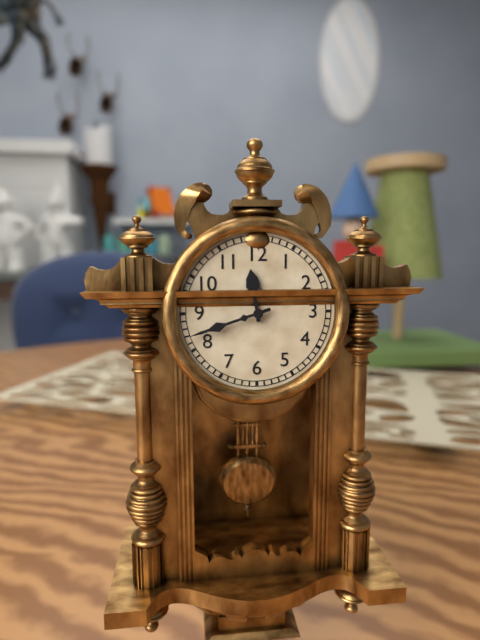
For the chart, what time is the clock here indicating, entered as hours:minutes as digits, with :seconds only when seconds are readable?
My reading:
11:42
